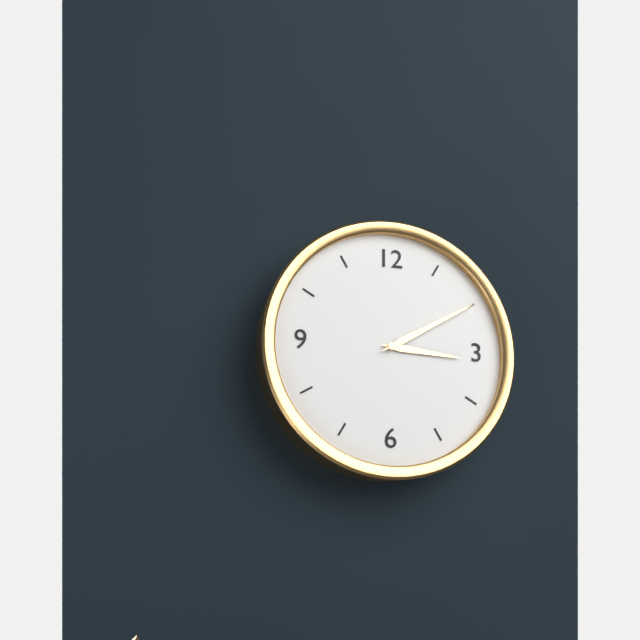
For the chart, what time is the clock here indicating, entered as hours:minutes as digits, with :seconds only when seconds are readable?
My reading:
3:10
